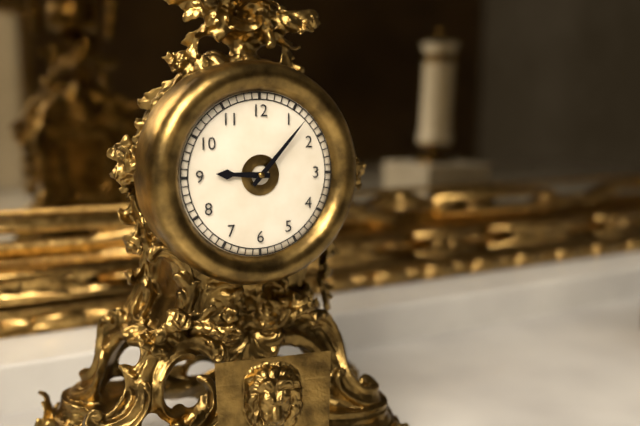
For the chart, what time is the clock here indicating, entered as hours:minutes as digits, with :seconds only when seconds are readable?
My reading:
9:07
